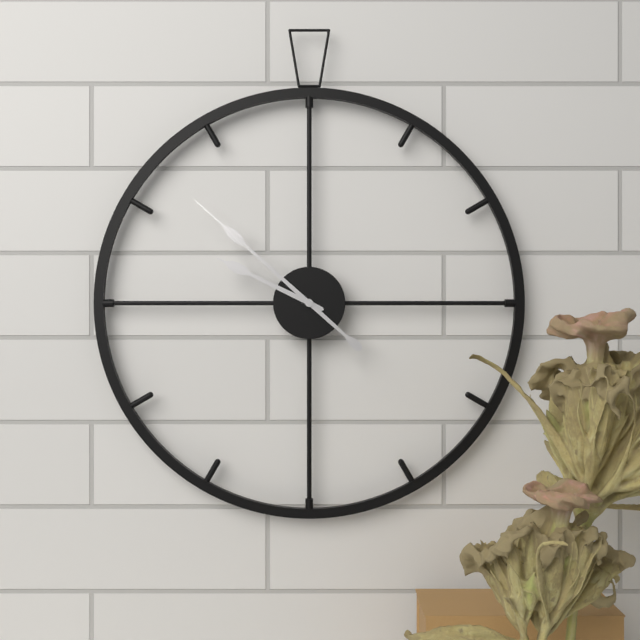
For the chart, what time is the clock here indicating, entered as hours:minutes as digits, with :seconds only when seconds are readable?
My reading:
9:52
